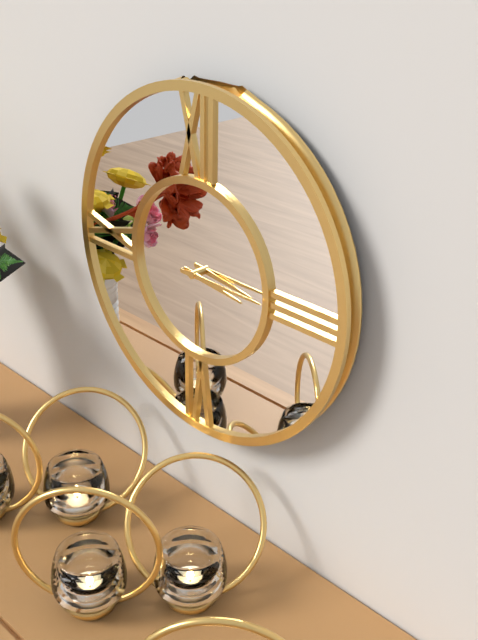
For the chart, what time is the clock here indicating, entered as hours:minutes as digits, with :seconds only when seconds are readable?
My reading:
3:15
